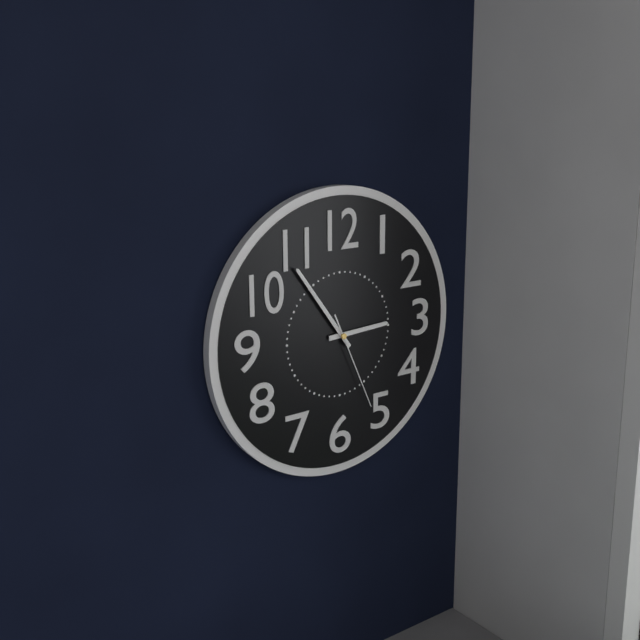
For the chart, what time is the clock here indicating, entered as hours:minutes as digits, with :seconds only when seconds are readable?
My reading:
2:54:26
